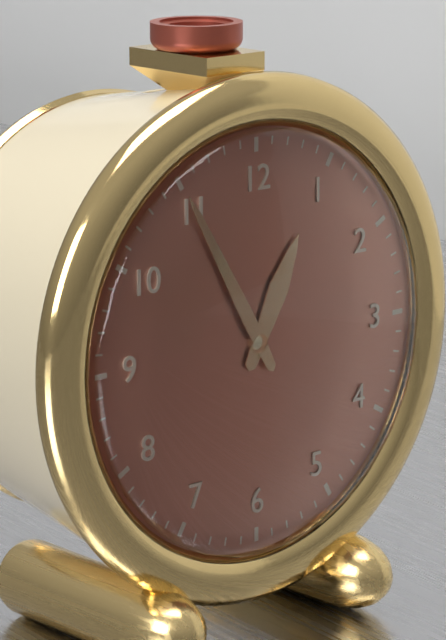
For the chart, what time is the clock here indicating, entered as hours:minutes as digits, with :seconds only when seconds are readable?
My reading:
12:55
